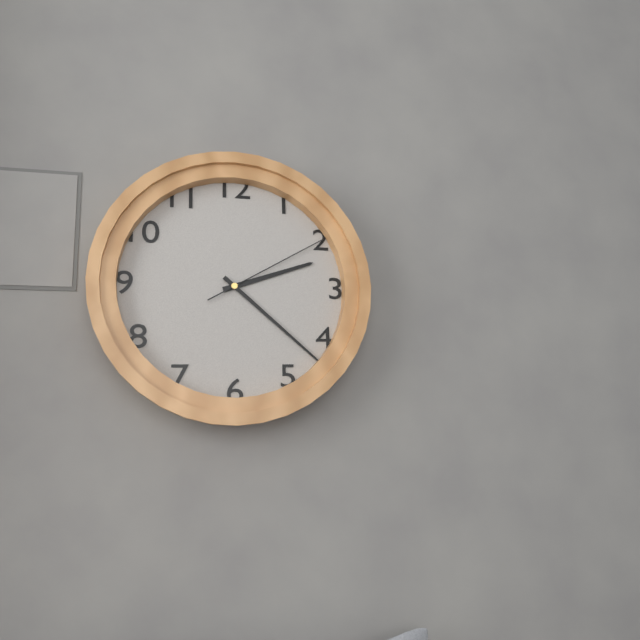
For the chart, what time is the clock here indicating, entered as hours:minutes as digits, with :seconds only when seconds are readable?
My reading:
2:22:10
